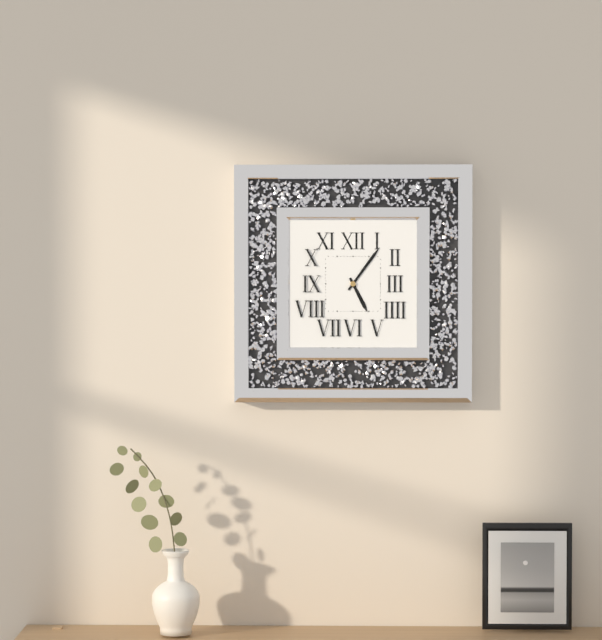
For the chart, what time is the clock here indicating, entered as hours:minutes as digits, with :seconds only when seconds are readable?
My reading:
5:06
